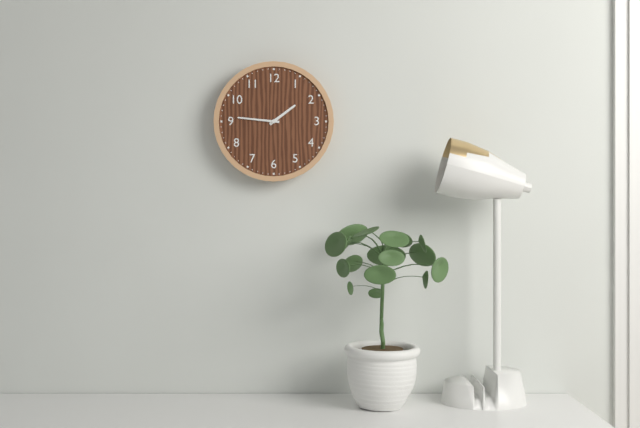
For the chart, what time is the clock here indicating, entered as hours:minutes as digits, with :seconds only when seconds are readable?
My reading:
1:46
